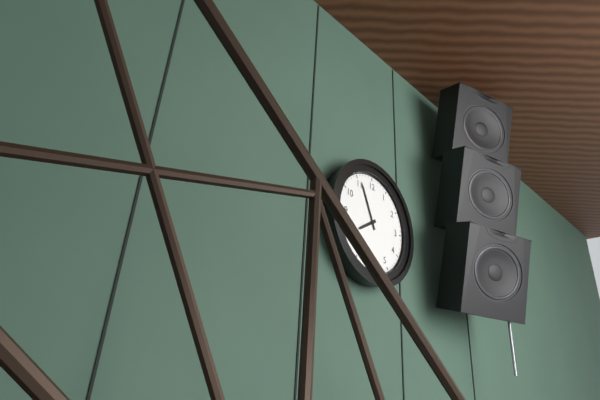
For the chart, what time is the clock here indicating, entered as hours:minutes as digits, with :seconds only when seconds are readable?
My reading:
7:56
